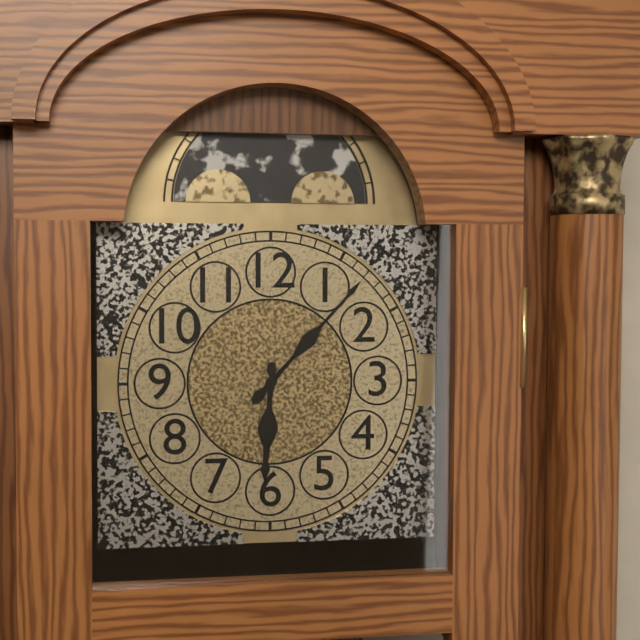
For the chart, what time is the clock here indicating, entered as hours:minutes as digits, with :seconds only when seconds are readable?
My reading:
6:07
